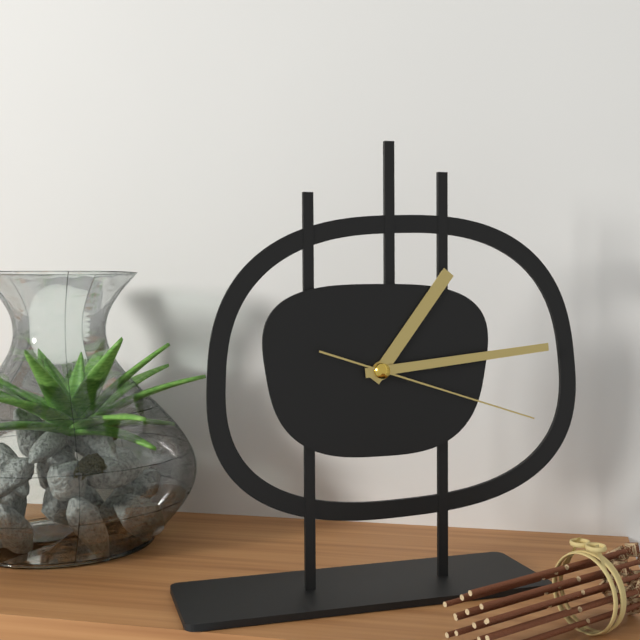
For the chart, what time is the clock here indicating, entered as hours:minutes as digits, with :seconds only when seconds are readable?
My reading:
1:14:18
